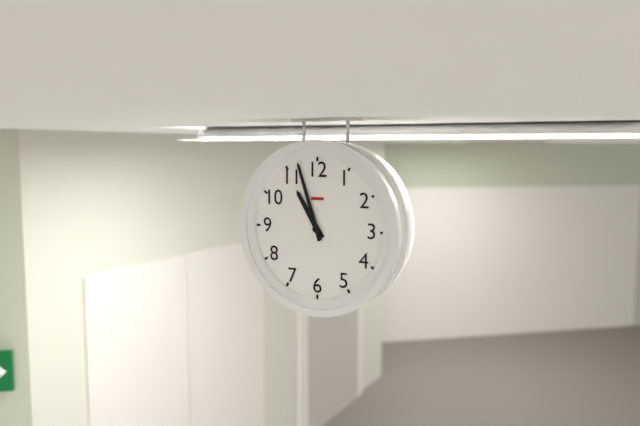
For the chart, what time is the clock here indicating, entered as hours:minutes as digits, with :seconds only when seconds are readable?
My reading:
10:57
